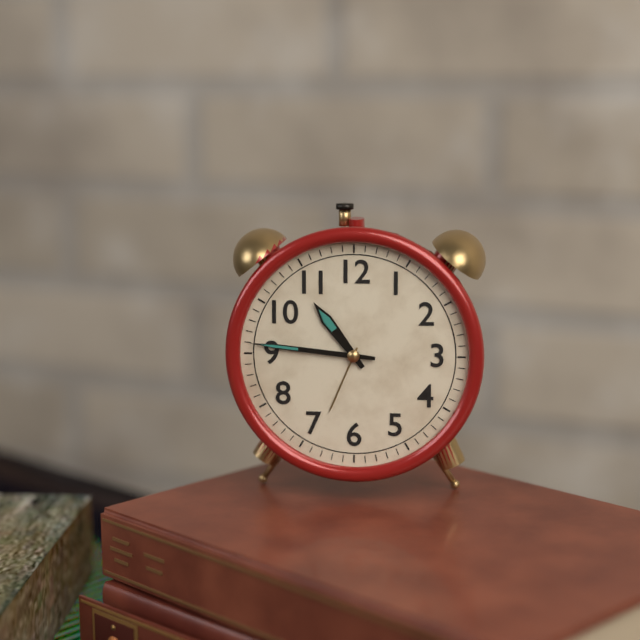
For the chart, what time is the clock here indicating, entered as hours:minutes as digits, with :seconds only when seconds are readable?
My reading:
10:46
